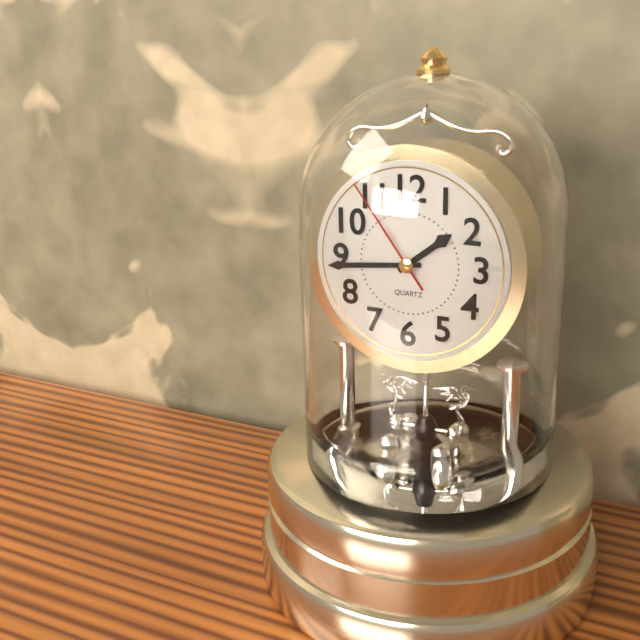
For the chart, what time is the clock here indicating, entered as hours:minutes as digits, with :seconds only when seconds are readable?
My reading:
1:44:54
